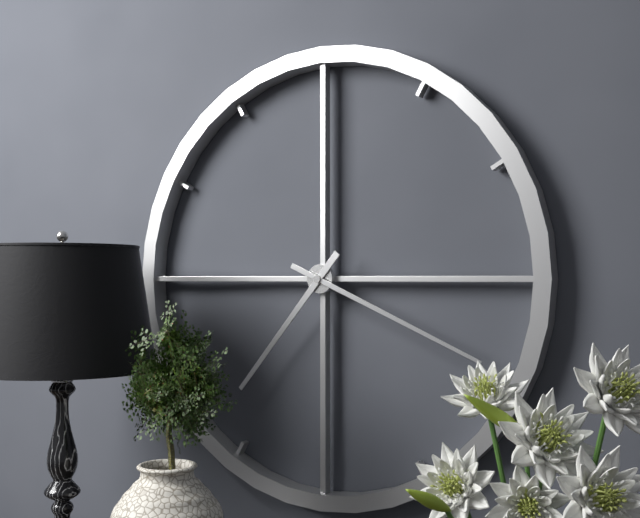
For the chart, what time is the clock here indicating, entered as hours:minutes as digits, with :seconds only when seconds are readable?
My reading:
7:19
